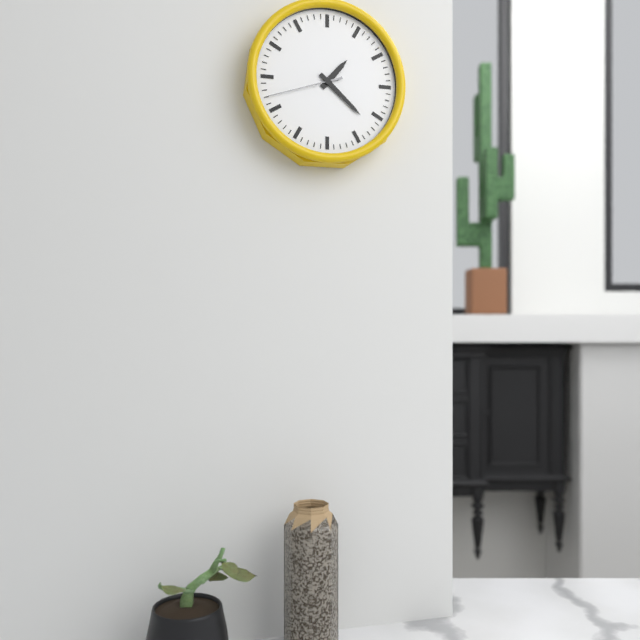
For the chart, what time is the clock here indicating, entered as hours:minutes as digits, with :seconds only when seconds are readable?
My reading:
1:22:42
